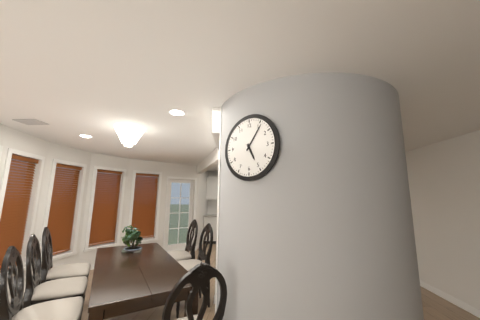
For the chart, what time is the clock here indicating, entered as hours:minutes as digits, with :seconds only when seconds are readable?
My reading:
5:06
